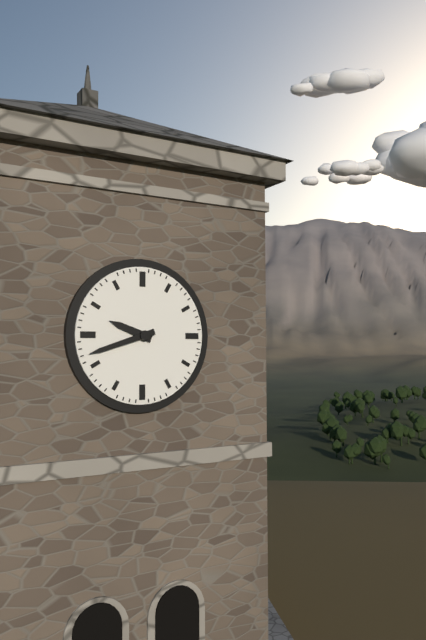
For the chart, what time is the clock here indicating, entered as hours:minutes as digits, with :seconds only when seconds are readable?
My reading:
9:42
